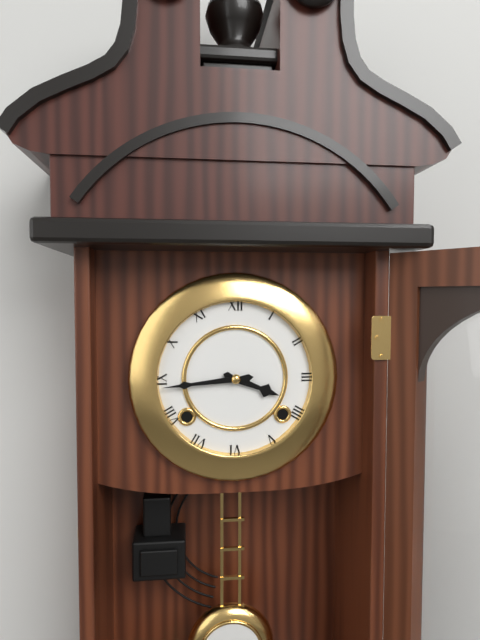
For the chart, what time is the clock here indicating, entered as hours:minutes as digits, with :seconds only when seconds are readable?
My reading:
3:44
